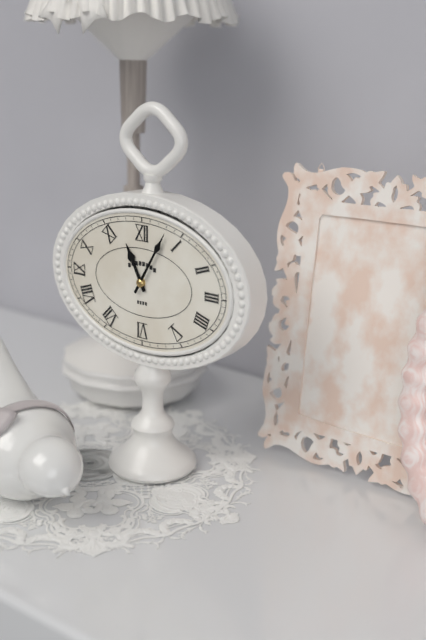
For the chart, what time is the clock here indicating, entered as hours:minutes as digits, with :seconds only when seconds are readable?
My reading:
11:05
